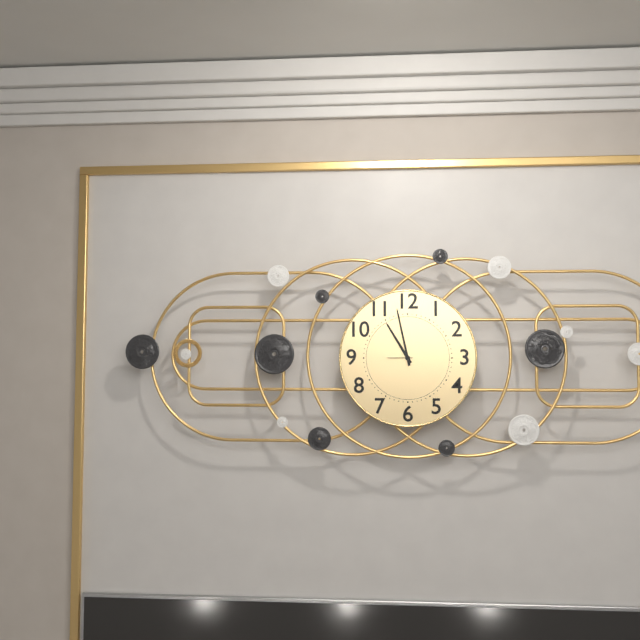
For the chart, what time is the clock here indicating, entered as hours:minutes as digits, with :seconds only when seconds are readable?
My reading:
10:58
